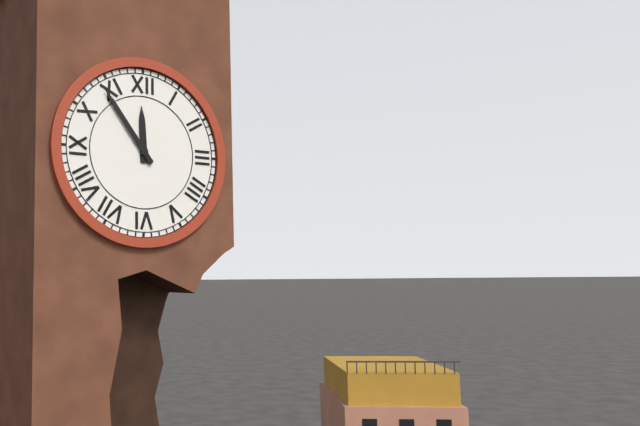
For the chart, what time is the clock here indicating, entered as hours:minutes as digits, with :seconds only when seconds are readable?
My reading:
11:54
